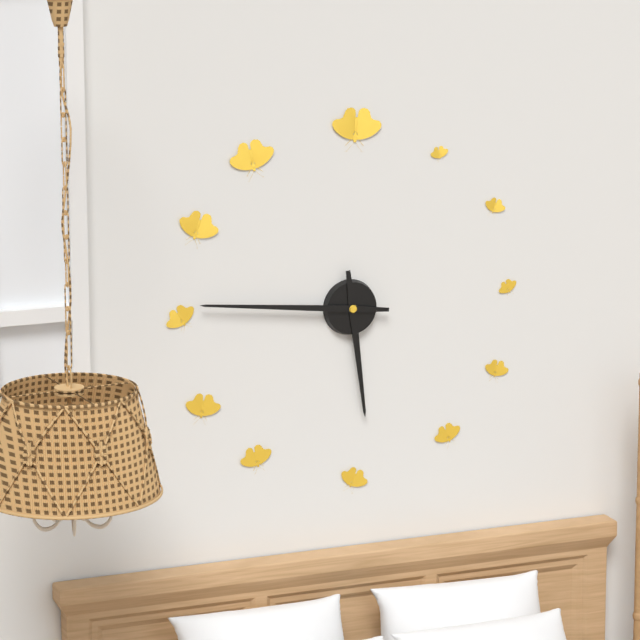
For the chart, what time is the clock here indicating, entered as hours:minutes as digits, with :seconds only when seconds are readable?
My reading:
5:46
